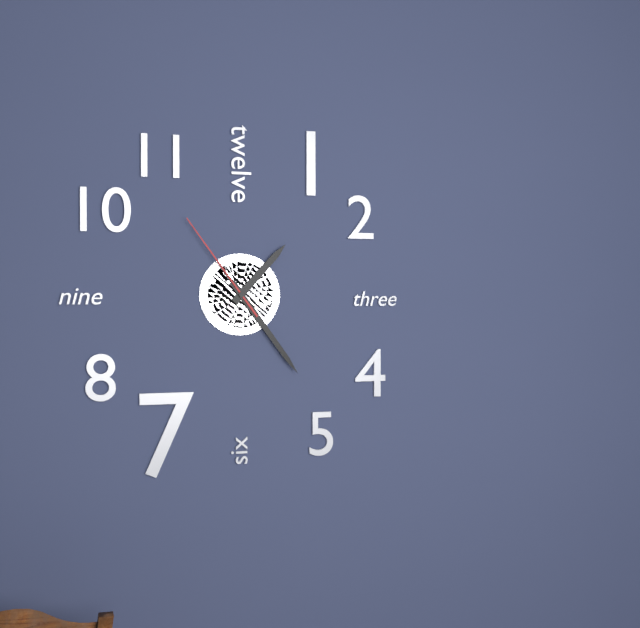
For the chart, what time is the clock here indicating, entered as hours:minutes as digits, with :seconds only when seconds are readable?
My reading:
1:24:54
